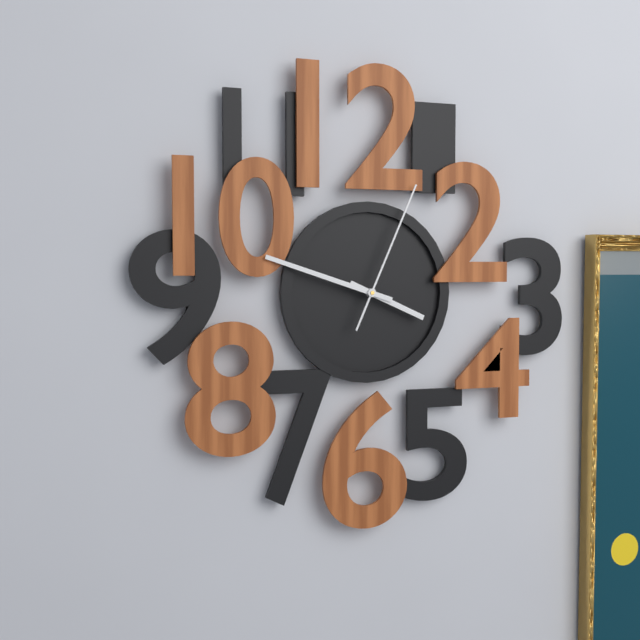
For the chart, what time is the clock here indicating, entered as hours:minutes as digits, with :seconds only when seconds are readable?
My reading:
3:48:04
